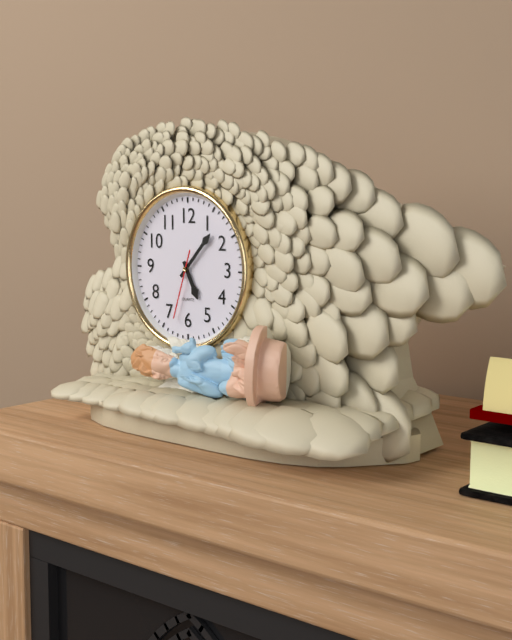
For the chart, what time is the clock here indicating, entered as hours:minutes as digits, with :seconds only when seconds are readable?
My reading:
5:07:33
